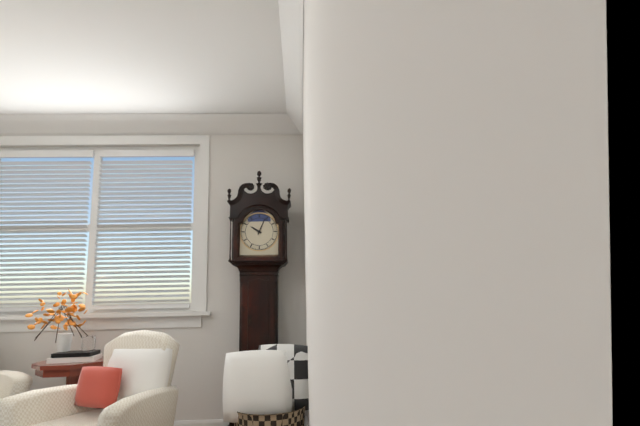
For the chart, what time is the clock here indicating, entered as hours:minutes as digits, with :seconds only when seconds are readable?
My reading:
10:04
